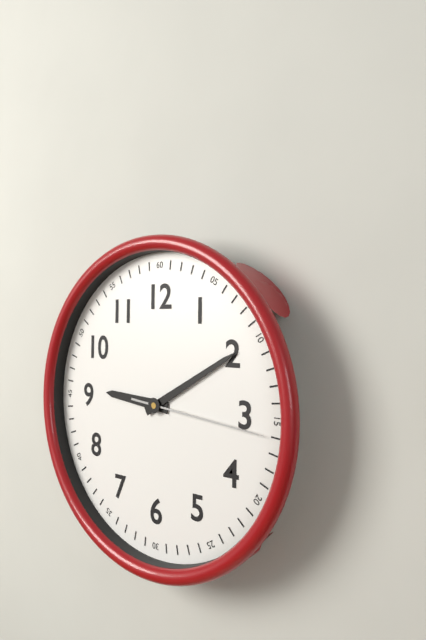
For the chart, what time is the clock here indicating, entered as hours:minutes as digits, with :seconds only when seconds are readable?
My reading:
9:10:16
